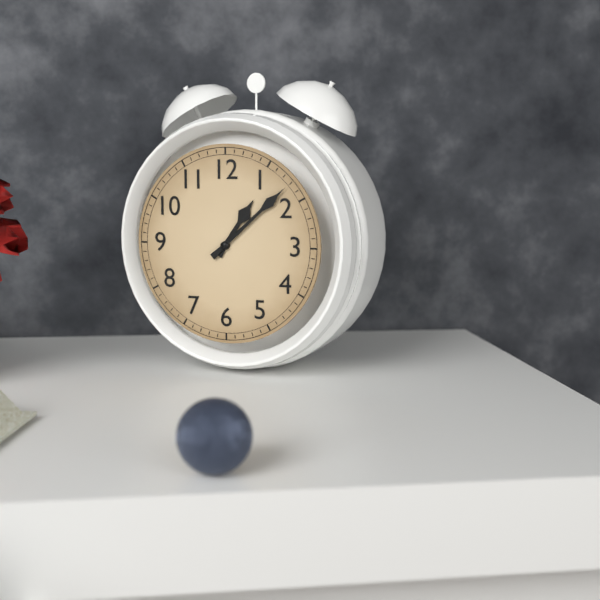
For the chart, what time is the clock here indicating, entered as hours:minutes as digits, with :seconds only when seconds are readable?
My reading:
1:08
